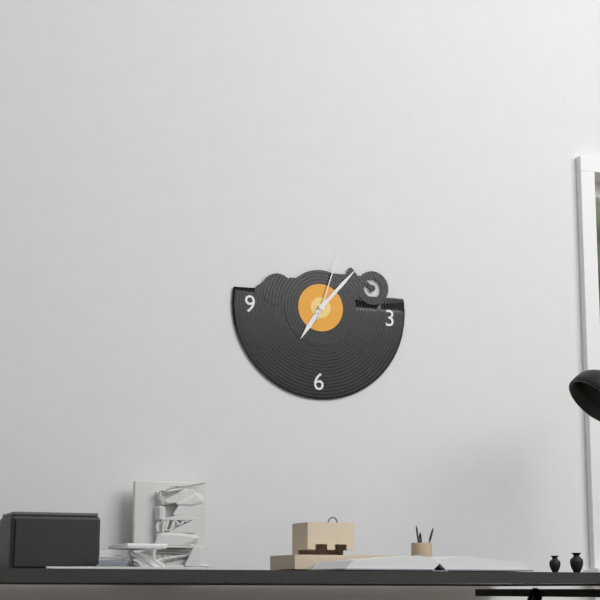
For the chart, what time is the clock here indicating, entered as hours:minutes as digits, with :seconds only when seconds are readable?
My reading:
7:07:03
